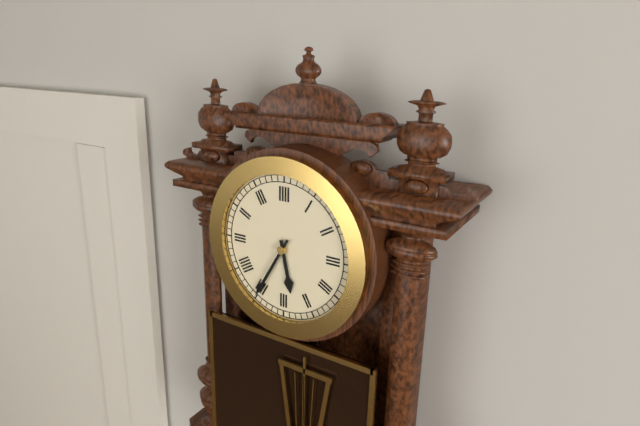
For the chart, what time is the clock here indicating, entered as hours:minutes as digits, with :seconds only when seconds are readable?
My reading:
5:35
